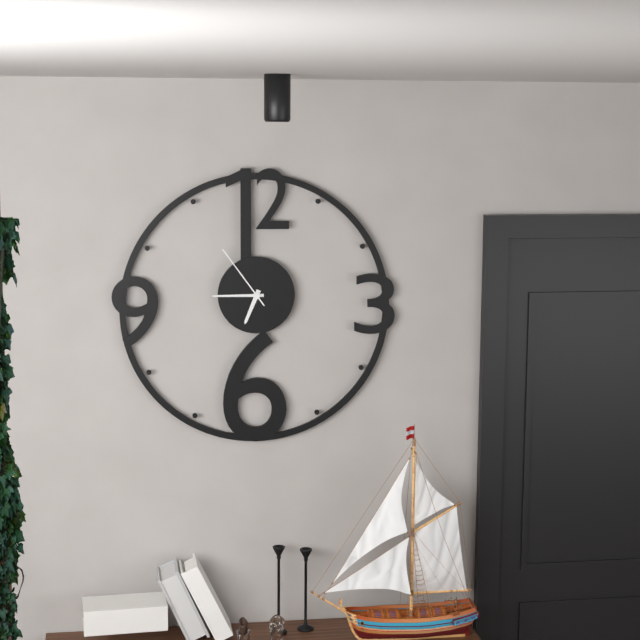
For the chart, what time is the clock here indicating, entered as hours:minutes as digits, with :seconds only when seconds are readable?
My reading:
6:45:54
